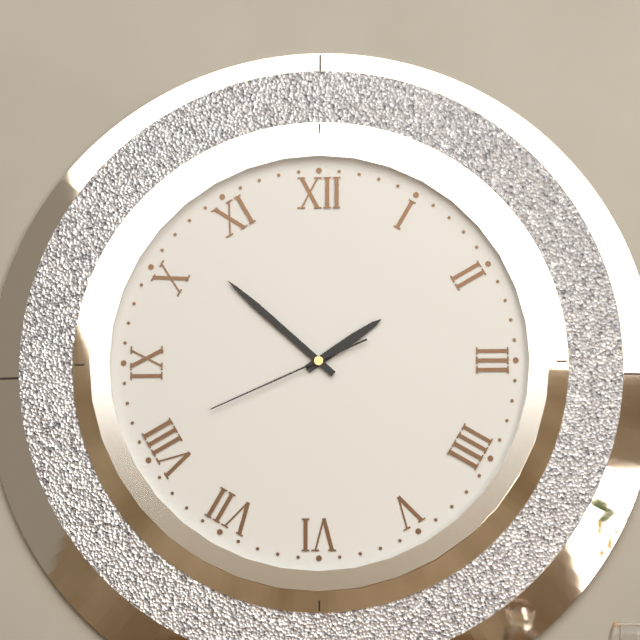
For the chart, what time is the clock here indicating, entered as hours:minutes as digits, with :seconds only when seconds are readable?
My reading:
1:52:41
